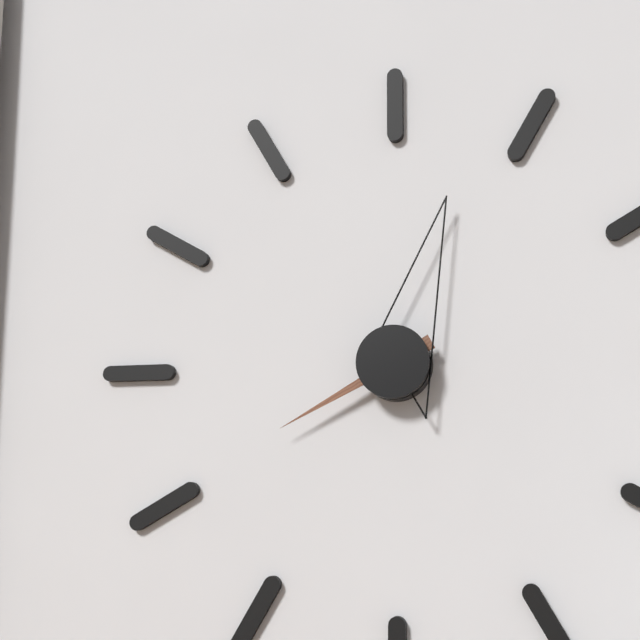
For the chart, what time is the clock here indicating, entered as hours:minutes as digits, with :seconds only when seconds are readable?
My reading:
8:03
